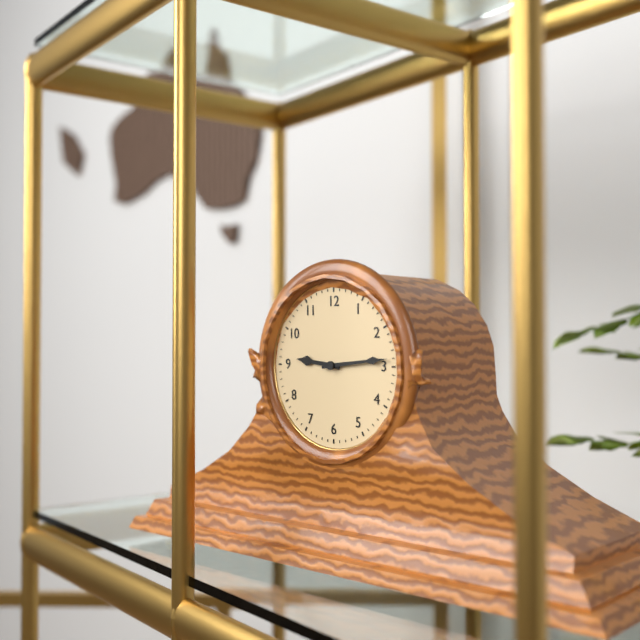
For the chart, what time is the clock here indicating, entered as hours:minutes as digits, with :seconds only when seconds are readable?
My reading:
9:14
